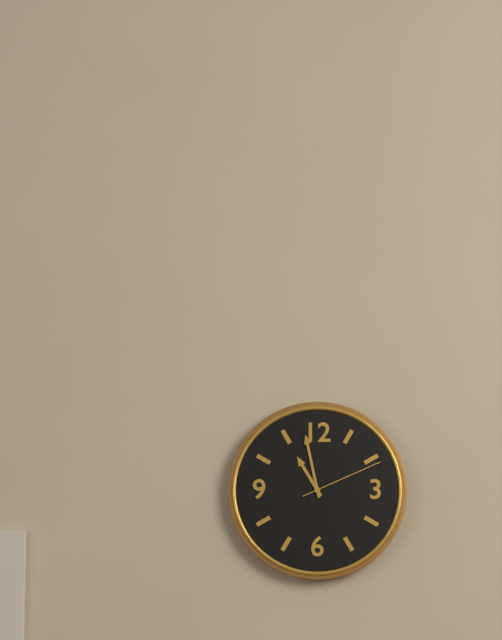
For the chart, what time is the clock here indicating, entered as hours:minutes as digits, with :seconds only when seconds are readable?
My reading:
10:58:11
